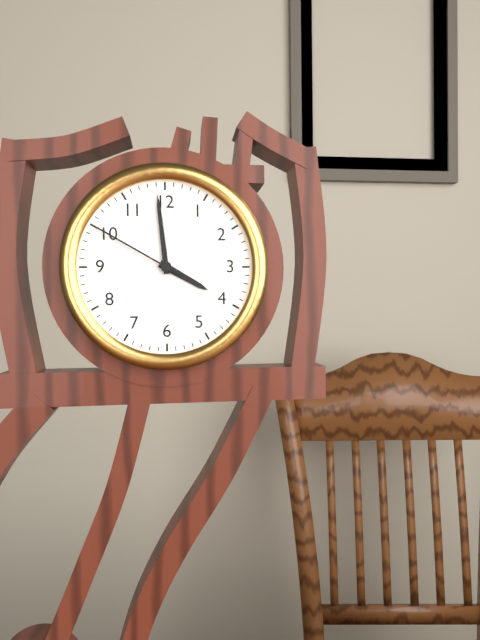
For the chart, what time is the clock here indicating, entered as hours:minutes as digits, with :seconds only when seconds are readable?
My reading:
3:59:50
